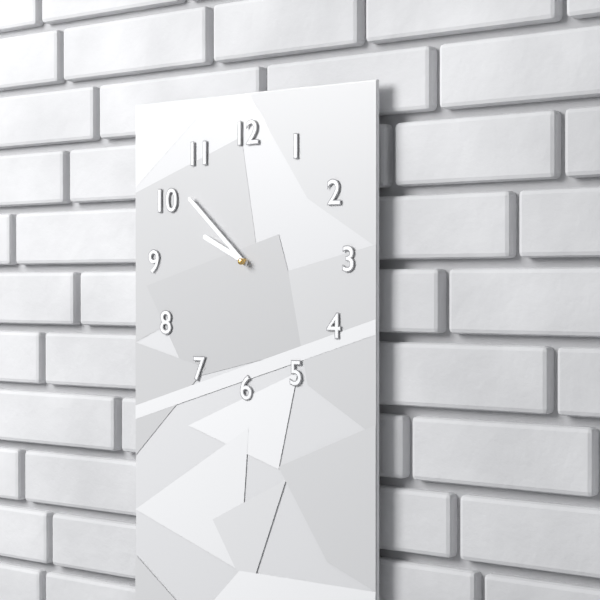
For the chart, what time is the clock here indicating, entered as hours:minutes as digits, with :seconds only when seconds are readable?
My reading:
9:52
